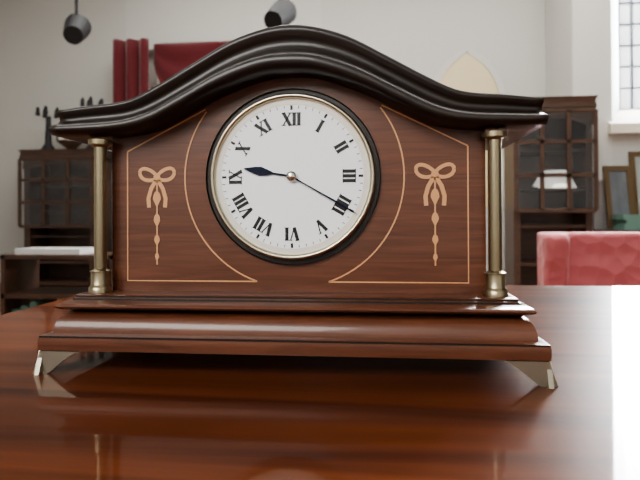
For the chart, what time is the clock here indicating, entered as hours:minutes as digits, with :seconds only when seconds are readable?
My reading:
9:20
